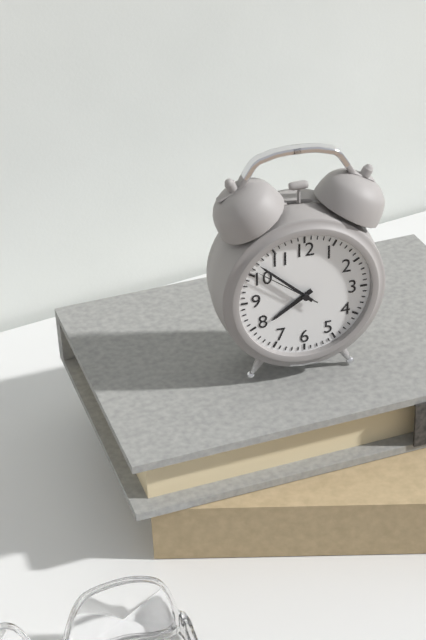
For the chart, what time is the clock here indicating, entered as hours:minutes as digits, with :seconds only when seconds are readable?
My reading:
7:52:51
